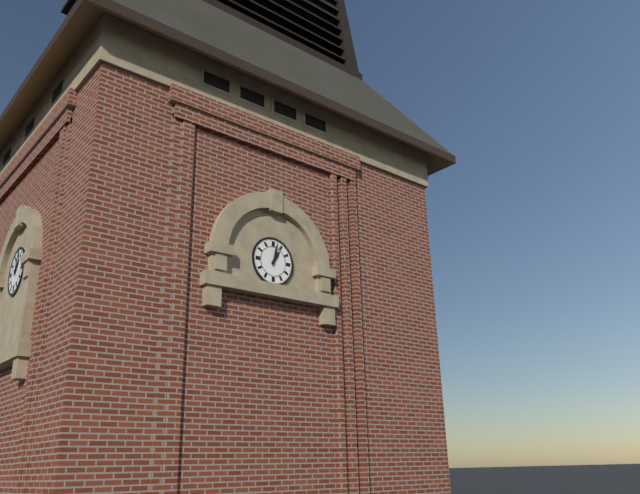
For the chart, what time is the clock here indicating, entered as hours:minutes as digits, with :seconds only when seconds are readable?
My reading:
1:02
